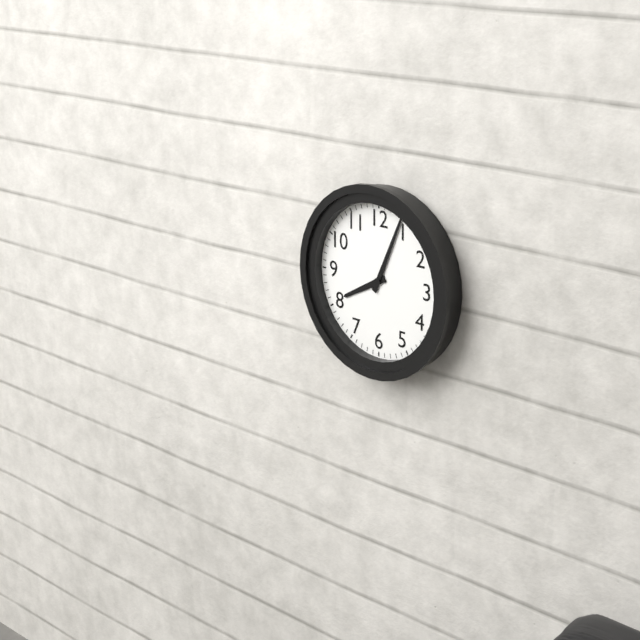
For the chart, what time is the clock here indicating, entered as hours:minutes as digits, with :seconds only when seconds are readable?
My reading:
8:04
